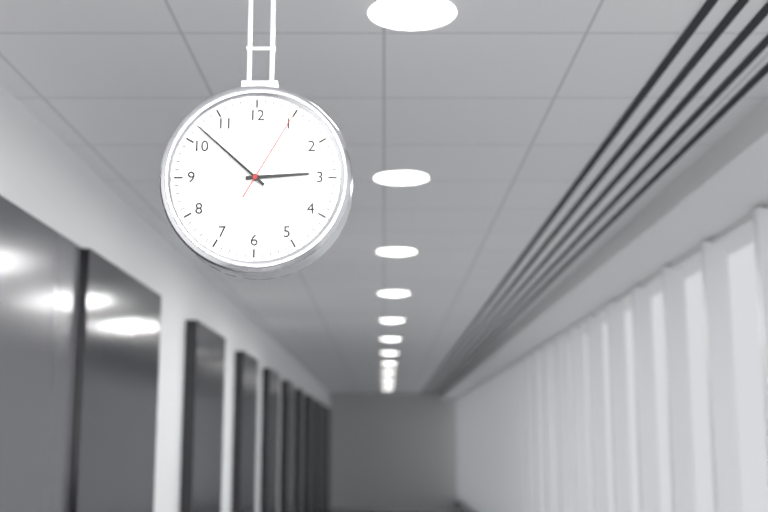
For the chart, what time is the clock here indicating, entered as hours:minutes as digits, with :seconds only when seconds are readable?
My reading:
2:52:05
